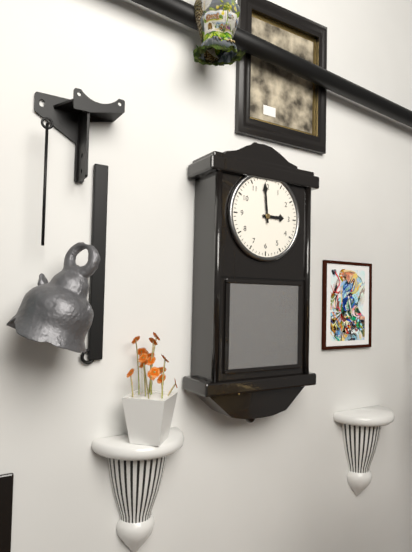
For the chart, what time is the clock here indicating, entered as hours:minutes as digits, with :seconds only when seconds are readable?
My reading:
2:59
